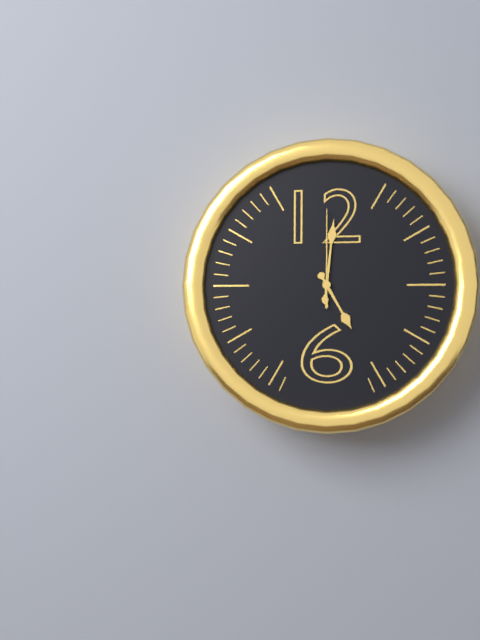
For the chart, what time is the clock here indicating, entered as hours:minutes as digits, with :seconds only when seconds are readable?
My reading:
5:01:00
